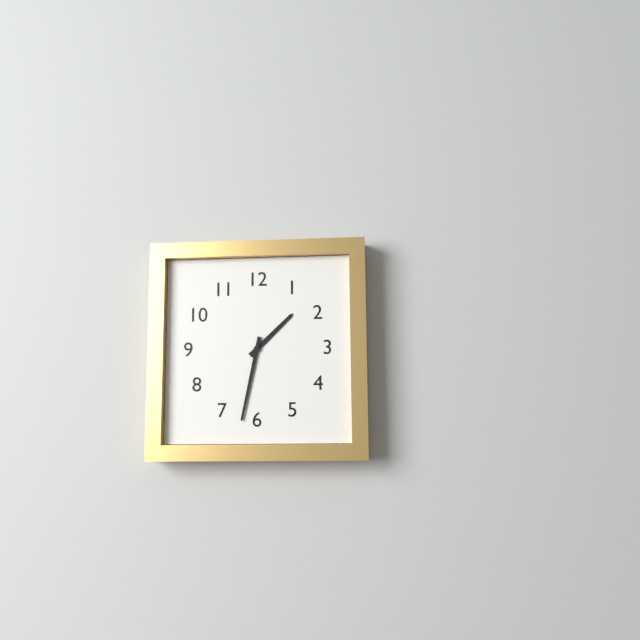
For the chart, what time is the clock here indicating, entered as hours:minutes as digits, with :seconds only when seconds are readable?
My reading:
1:32
